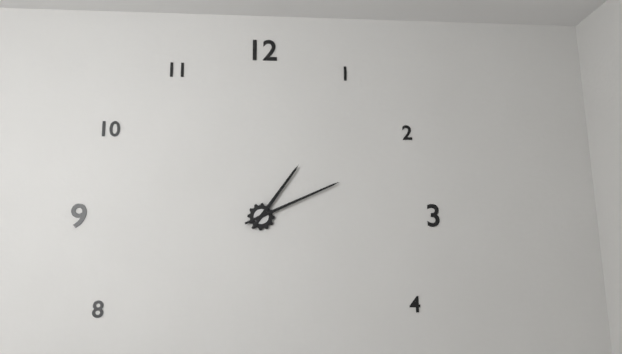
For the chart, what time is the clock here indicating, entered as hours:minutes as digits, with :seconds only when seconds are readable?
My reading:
1:11
